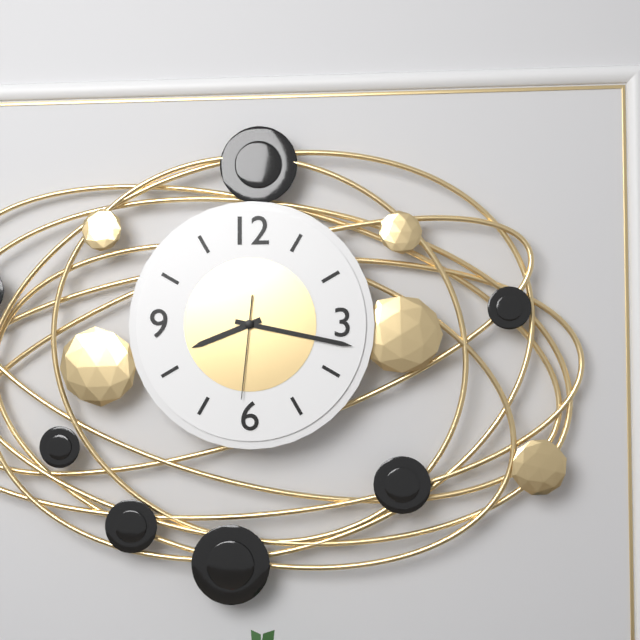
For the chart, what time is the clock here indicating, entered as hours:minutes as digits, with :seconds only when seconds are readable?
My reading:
8:17:31
